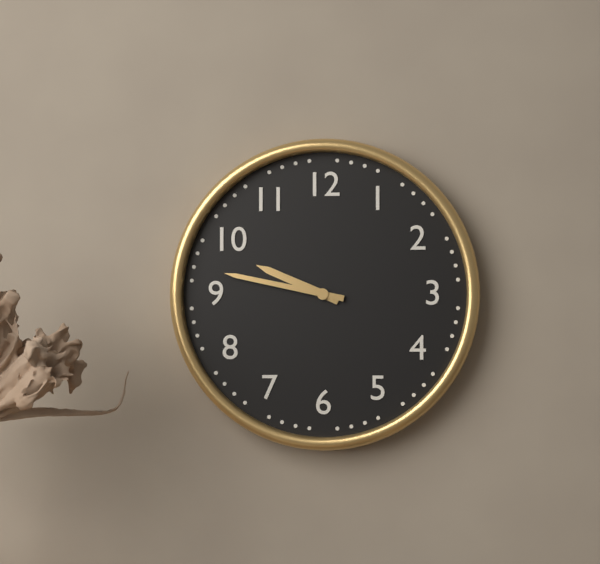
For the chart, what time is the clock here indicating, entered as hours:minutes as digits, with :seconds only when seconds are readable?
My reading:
9:47
